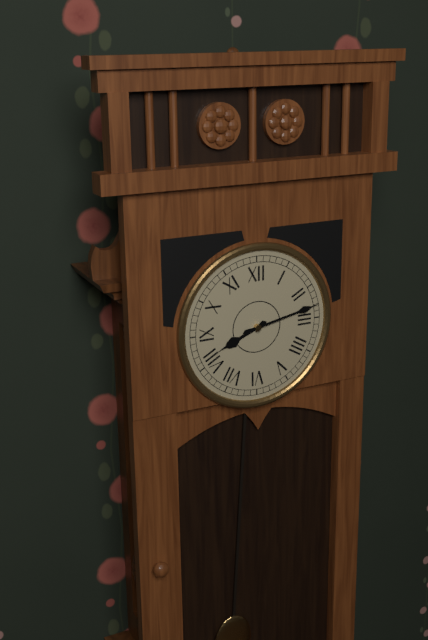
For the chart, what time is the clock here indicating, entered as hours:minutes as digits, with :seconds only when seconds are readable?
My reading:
8:13
